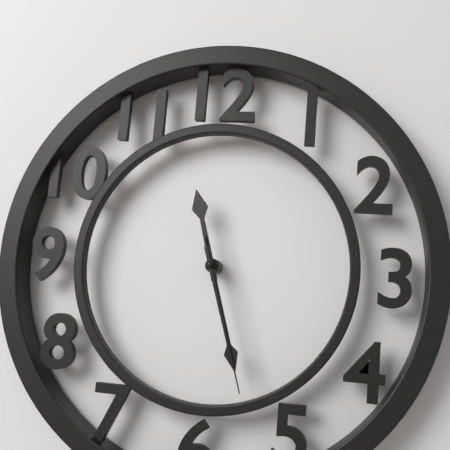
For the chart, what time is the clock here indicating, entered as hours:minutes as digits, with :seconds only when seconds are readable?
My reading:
11:27:27
